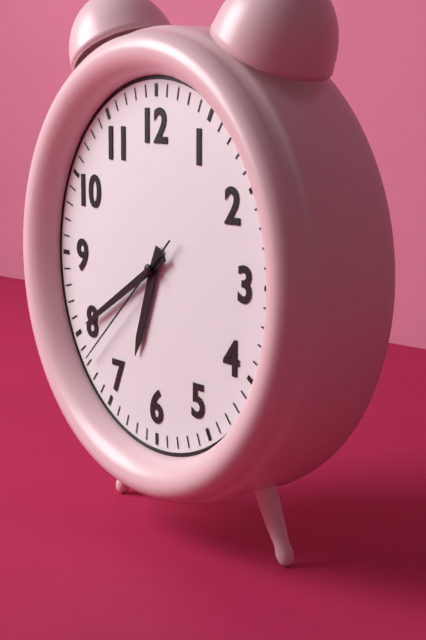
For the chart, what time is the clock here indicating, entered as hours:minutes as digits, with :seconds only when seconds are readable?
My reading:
6:40:38
